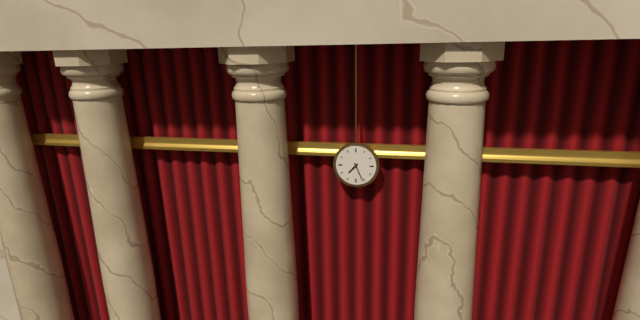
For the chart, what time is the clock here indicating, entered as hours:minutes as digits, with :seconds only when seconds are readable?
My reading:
7:26
